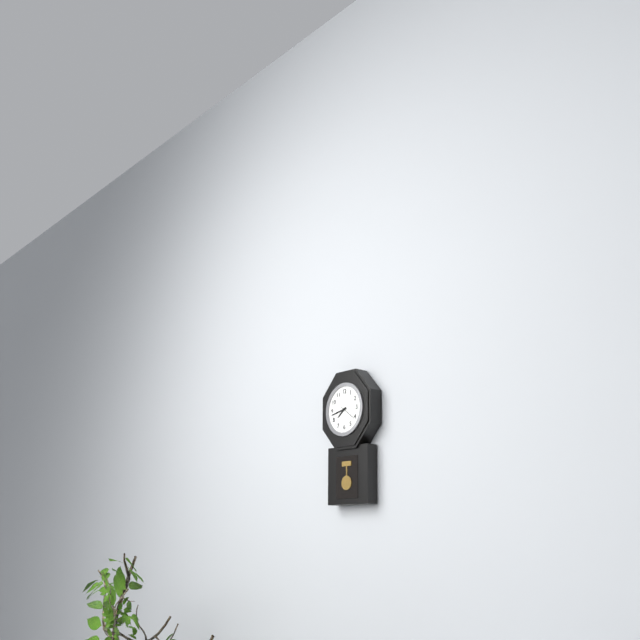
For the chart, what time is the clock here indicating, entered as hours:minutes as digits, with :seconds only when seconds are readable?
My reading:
7:43
